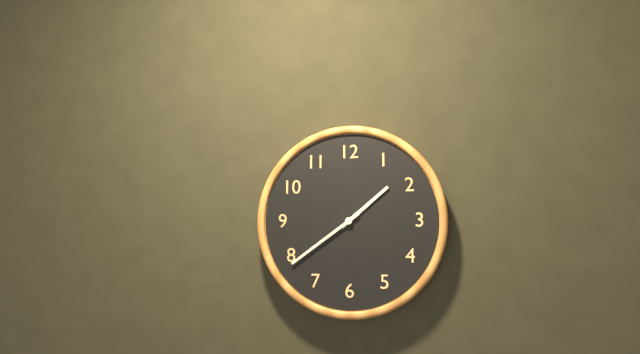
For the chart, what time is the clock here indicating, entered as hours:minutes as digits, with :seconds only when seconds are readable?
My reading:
1:39
